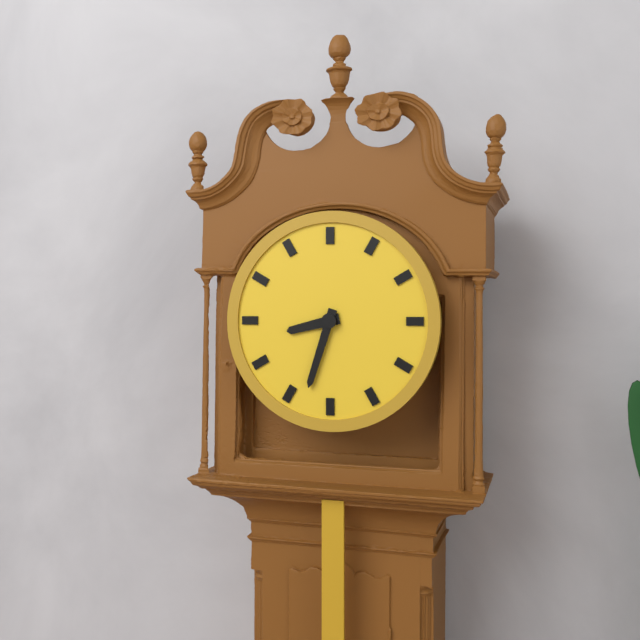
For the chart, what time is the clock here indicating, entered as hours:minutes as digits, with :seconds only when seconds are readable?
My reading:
8:33
